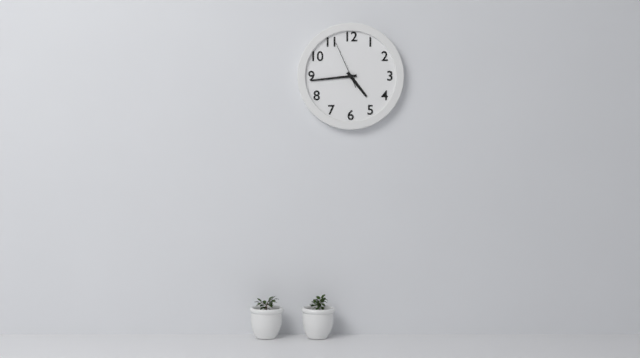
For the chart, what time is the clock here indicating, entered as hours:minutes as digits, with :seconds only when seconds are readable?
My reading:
4:44
